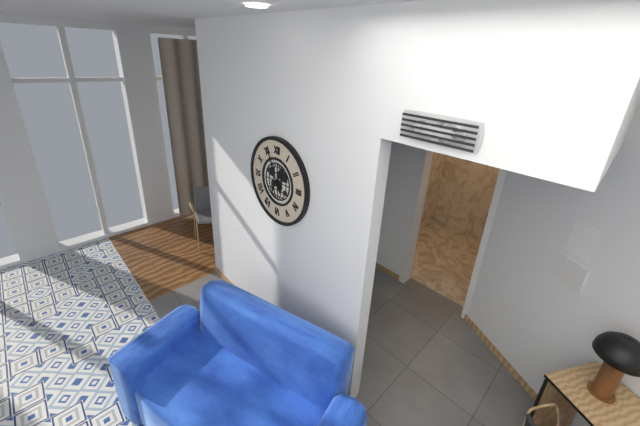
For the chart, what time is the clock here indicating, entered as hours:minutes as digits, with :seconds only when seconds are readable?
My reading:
12:56
